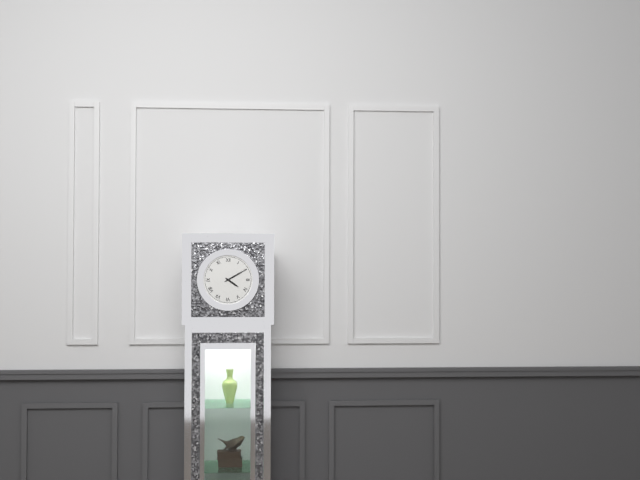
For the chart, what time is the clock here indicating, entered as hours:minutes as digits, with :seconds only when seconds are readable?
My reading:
4:10
